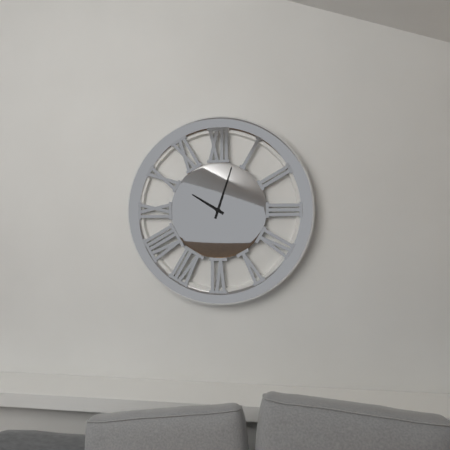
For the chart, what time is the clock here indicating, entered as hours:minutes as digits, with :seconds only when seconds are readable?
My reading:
10:03
